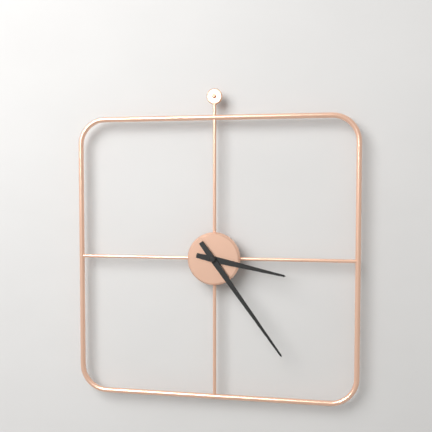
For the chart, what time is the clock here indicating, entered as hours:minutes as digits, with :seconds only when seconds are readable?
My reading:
3:24
